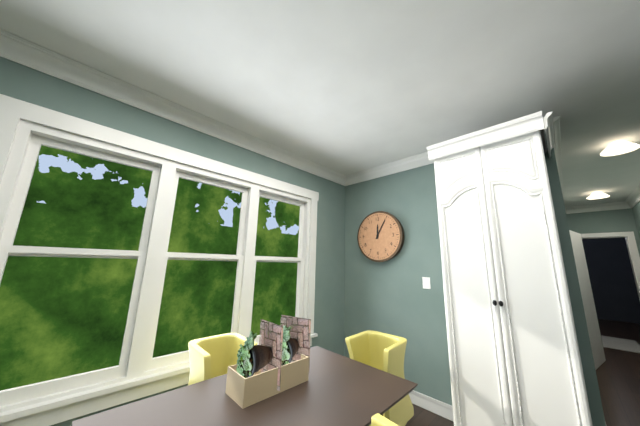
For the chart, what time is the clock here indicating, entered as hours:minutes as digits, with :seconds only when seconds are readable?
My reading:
12:05
